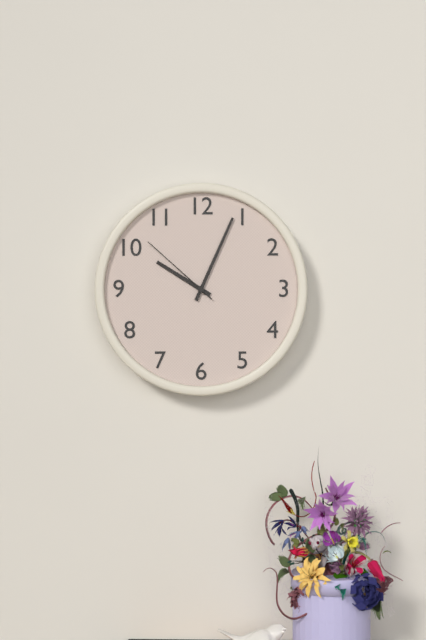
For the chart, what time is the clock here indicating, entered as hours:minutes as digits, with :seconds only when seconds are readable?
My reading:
10:04:52
